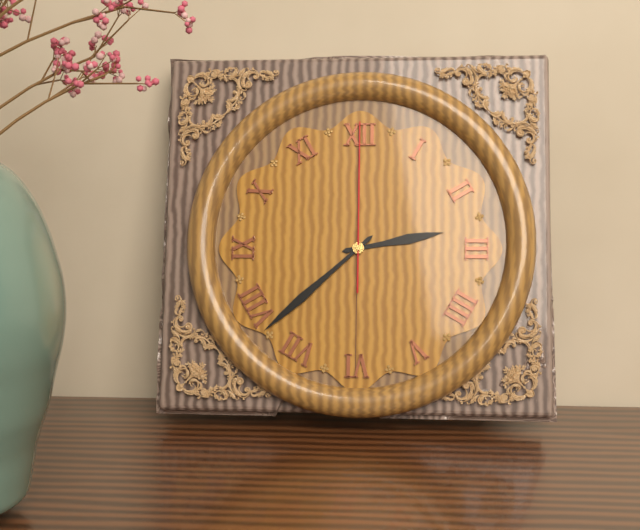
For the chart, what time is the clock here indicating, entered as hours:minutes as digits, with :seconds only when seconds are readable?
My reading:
2:38:00
